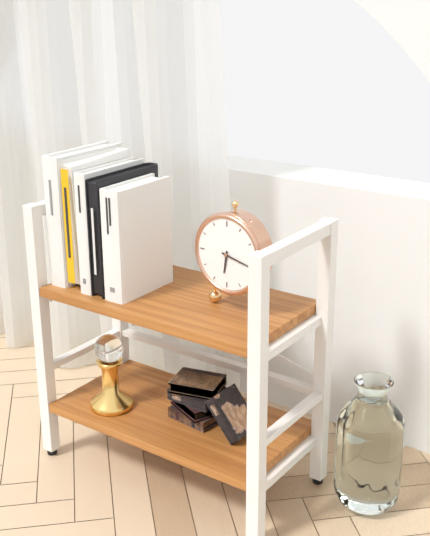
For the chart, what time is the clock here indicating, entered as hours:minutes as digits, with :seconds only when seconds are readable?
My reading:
6:17
